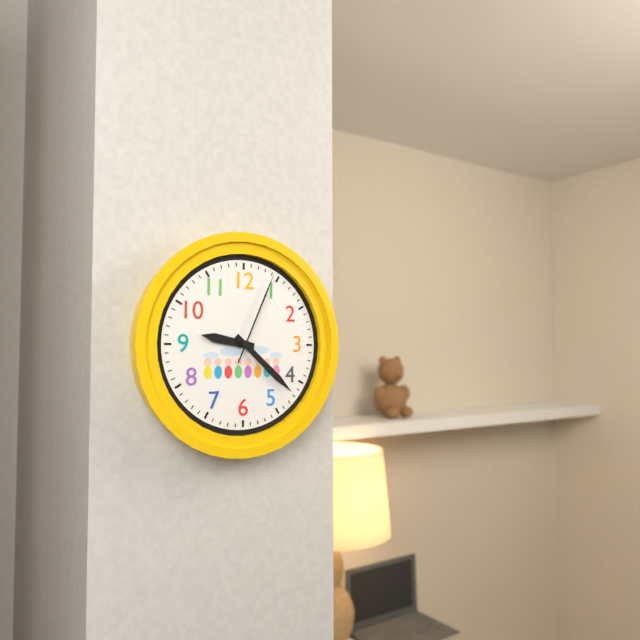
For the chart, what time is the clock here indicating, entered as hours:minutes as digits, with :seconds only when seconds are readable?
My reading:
9:22:04
